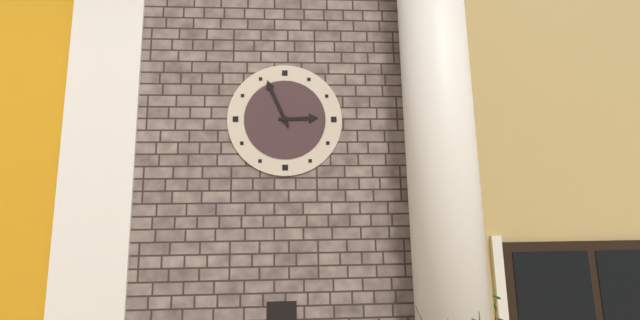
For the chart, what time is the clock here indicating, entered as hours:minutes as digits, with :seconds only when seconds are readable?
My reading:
2:56
